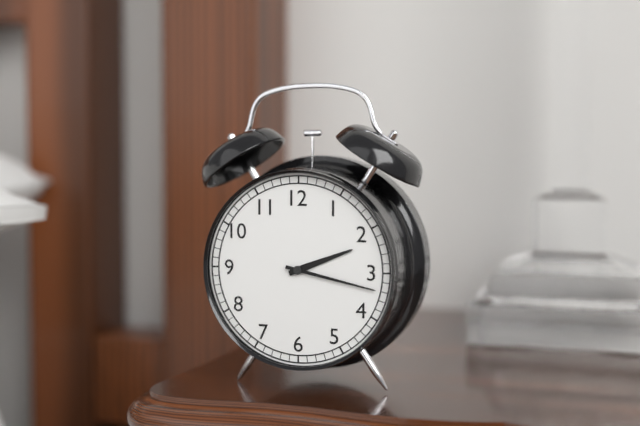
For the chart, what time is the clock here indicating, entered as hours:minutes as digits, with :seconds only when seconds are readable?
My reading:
2:17
